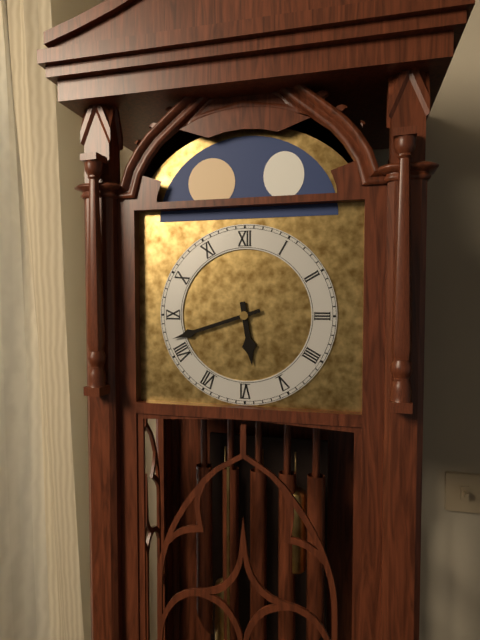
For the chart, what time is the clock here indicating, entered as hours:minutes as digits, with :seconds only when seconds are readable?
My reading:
5:42
